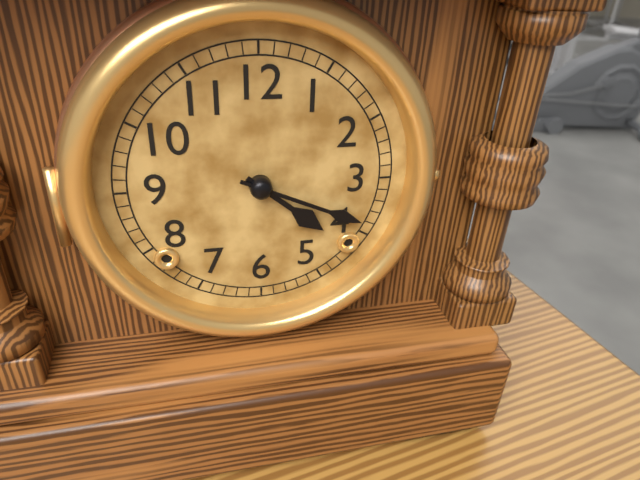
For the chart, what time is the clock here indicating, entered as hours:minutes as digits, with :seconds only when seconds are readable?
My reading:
4:19
